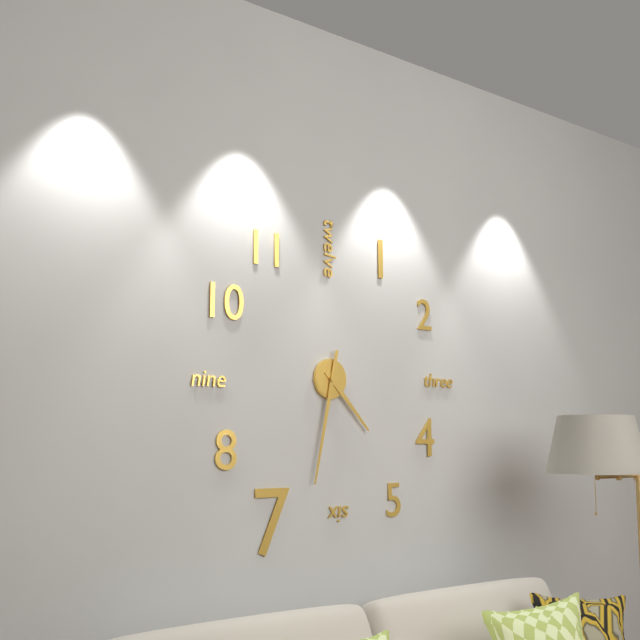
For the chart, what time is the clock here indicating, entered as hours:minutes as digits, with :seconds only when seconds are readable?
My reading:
4:32
